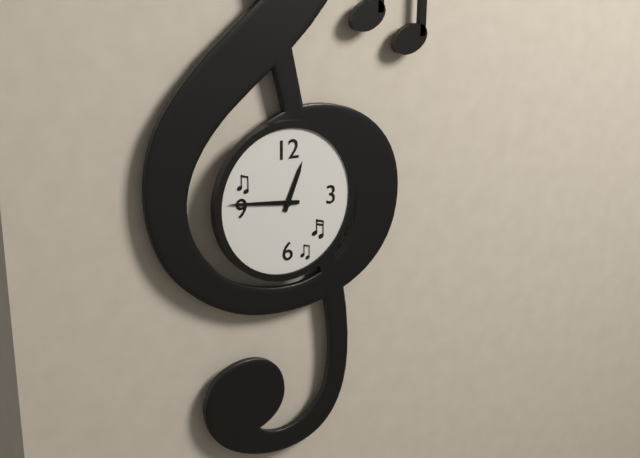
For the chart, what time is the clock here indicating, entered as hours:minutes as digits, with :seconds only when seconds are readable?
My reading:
12:46
